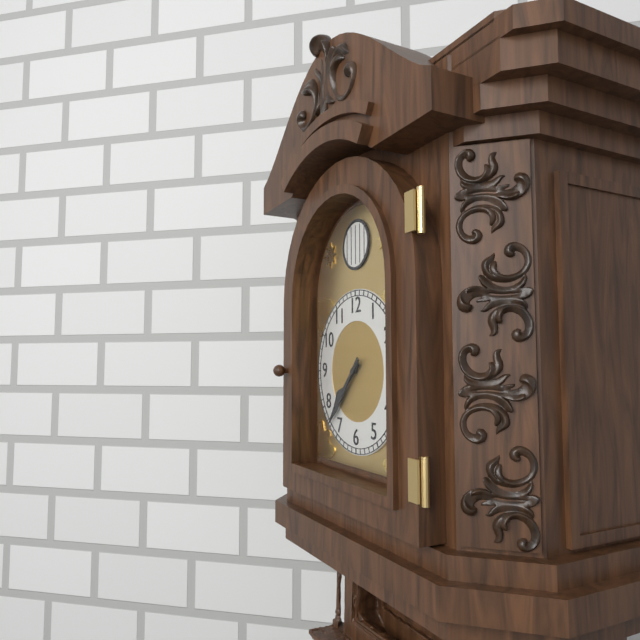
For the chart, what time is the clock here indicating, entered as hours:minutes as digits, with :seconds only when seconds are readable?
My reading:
7:37
